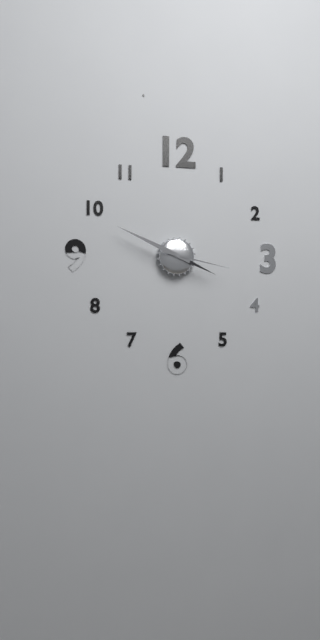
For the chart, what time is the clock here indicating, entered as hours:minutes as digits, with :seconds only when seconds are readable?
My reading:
3:49:17
